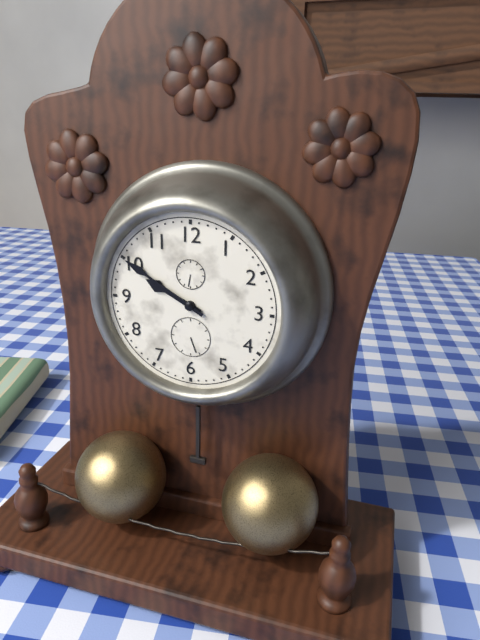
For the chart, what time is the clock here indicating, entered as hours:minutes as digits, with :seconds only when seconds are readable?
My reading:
9:50
